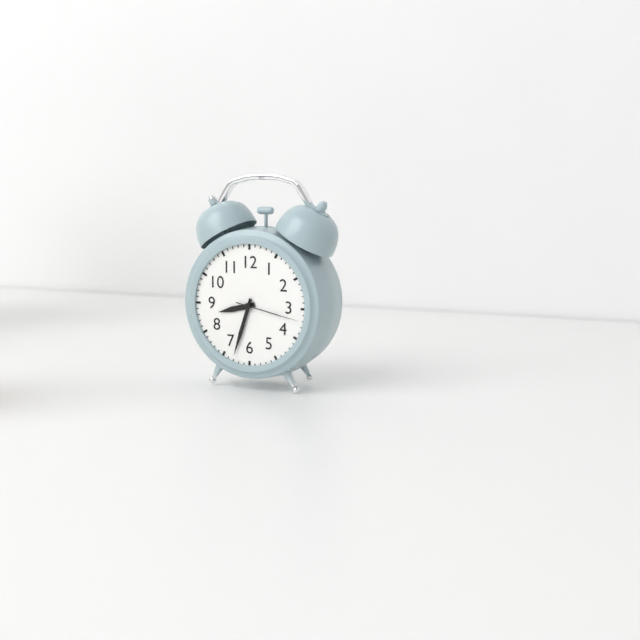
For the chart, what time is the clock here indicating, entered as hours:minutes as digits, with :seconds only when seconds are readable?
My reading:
8:33:17
